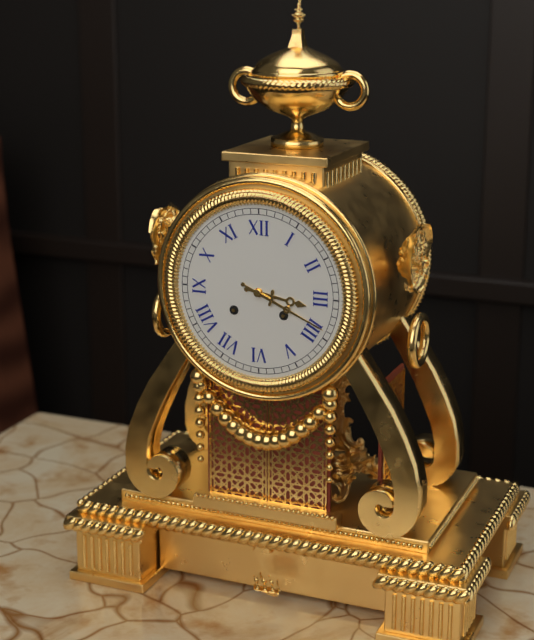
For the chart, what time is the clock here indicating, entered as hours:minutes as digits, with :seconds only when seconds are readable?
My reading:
3:19
